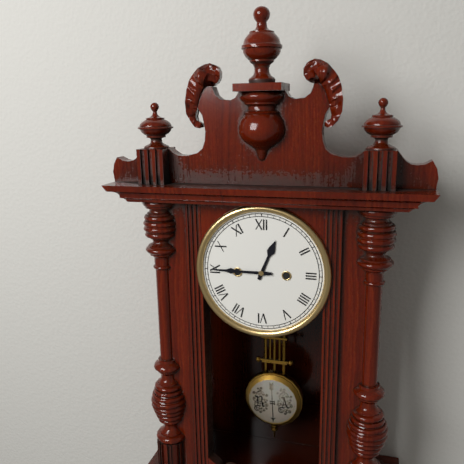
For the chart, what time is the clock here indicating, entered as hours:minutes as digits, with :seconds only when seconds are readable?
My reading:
12:45
